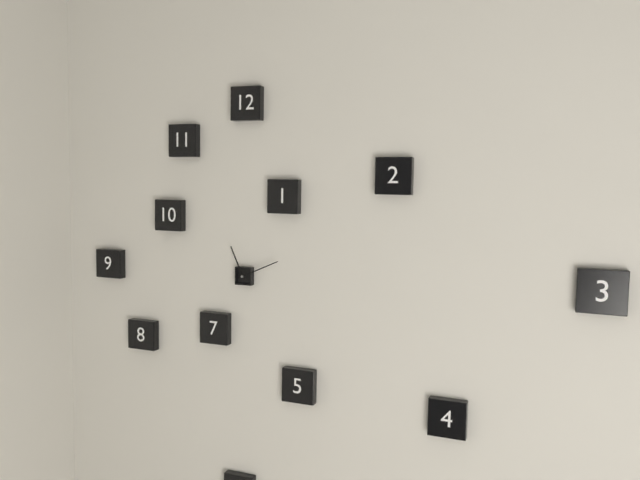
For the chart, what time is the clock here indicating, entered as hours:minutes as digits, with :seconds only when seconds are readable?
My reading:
11:11
